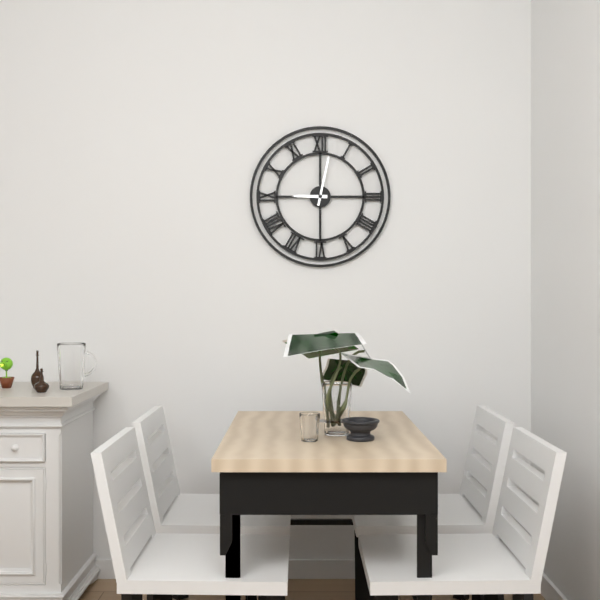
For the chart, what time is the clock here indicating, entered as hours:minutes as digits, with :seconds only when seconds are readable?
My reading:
9:02
